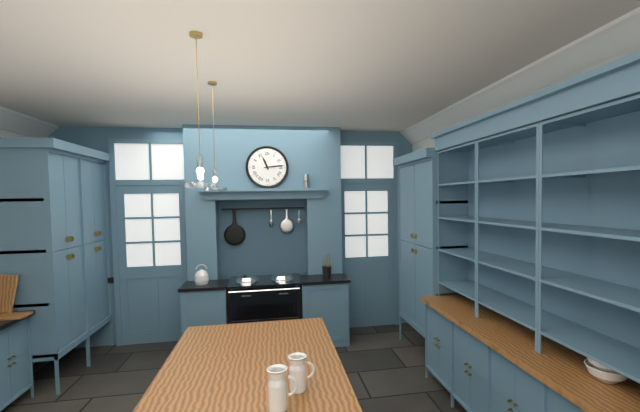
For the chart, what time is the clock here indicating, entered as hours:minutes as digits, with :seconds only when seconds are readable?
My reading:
11:14
